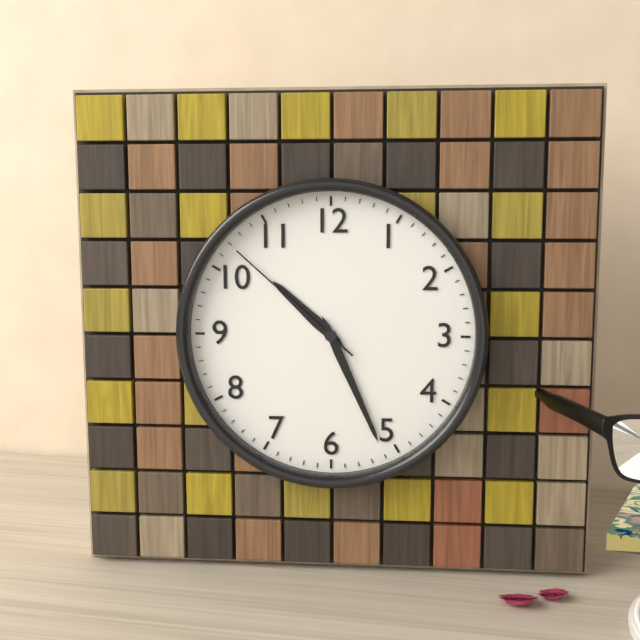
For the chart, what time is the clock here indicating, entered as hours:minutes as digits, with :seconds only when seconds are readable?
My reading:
10:26:52
